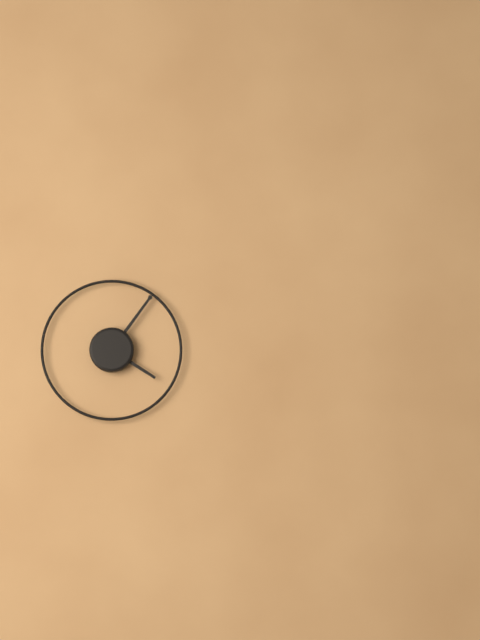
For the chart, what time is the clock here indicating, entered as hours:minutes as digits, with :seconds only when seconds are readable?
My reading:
4:06
